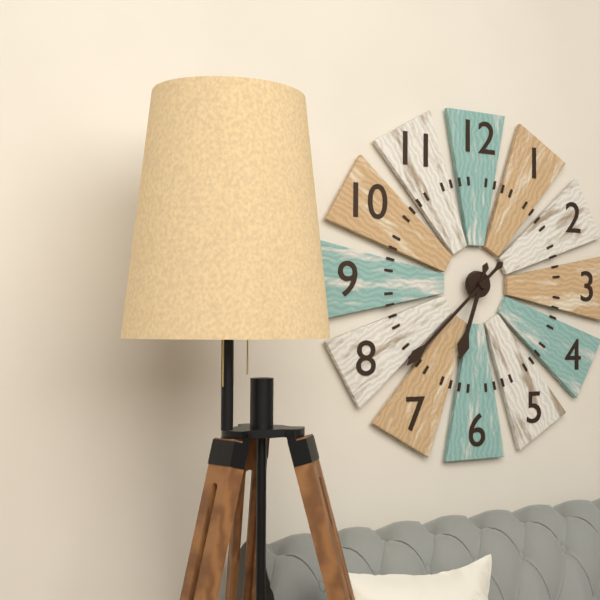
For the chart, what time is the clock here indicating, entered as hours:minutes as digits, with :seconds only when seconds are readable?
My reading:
6:38
